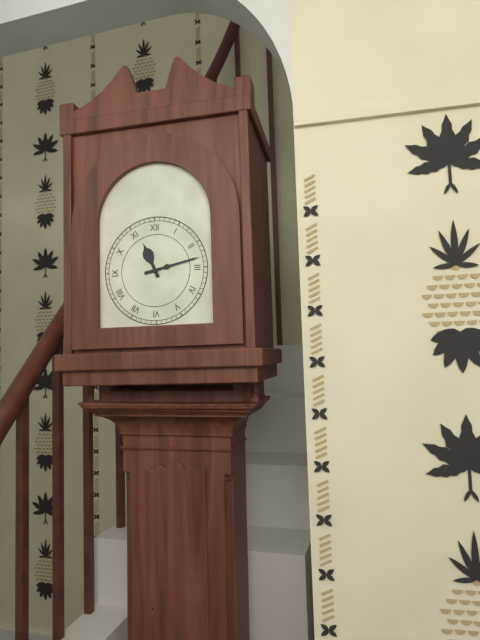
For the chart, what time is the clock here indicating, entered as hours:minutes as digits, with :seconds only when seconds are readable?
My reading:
11:13
